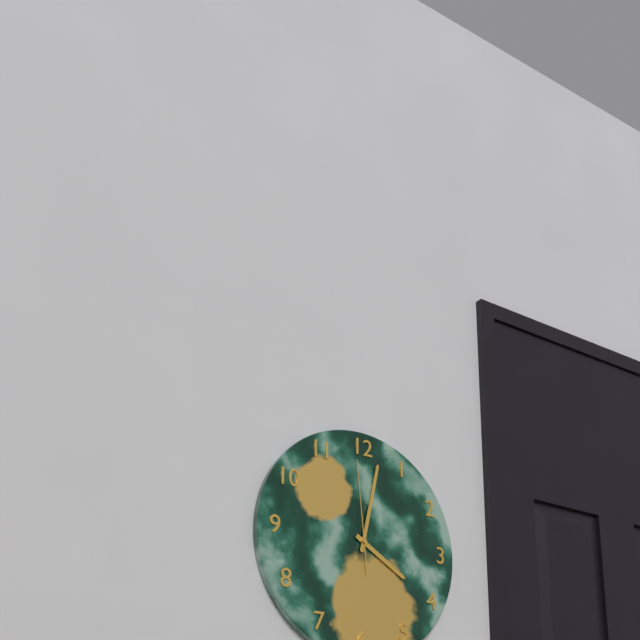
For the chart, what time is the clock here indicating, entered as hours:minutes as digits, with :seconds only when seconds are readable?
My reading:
4:02:59
